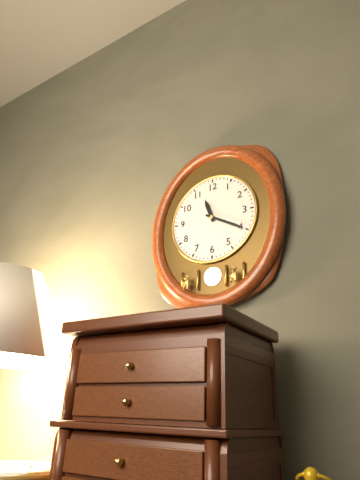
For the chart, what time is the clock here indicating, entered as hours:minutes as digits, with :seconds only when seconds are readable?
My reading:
11:20
